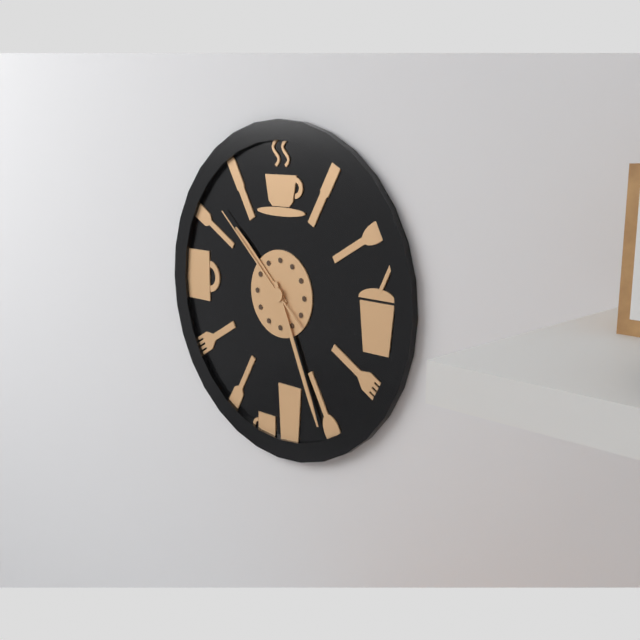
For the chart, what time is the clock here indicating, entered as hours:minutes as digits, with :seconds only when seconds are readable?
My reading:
10:26:52
